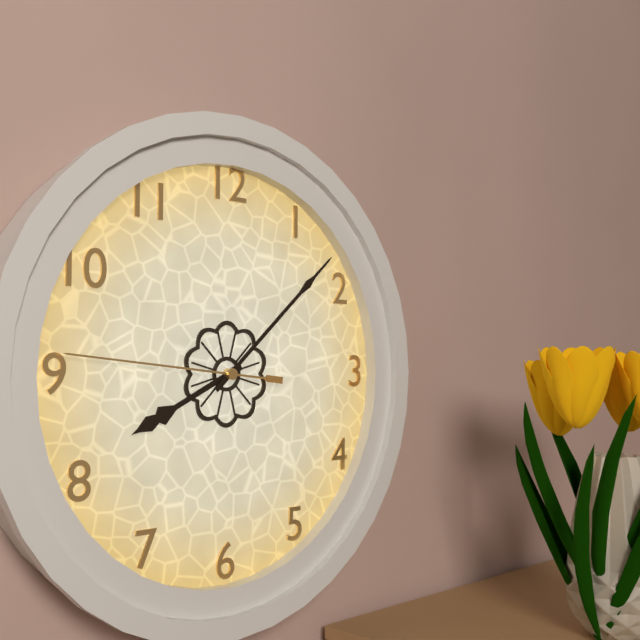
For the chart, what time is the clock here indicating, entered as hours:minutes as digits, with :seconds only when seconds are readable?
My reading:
8:08:46
